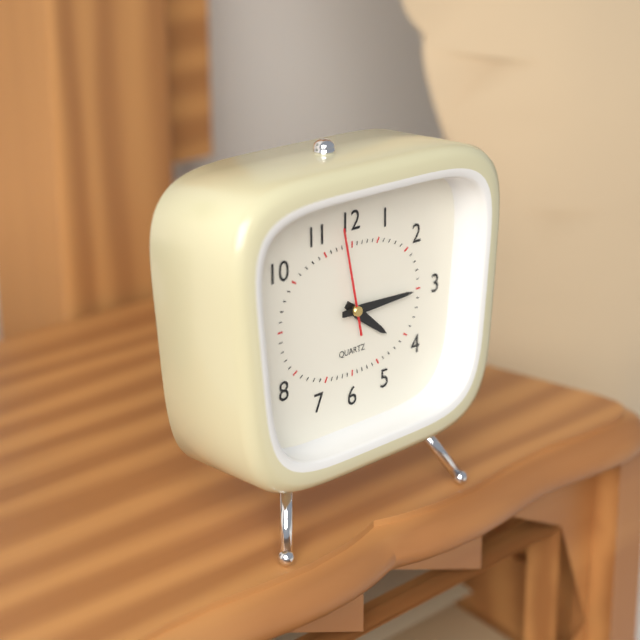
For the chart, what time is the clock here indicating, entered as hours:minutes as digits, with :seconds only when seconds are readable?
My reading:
4:15:58
